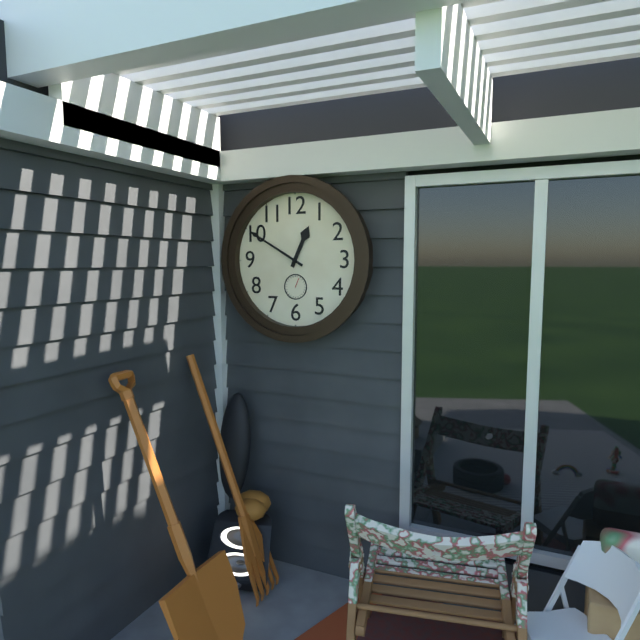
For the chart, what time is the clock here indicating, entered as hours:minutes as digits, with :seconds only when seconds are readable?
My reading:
12:50
